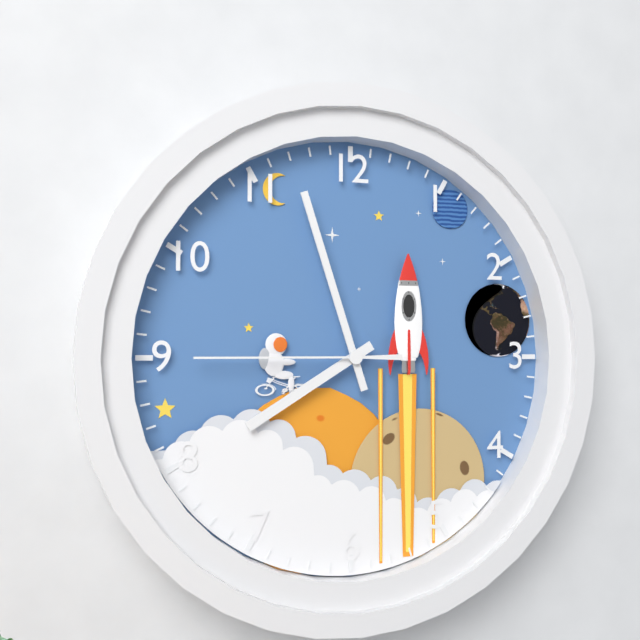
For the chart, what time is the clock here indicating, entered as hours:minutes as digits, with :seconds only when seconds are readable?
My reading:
7:57:45
